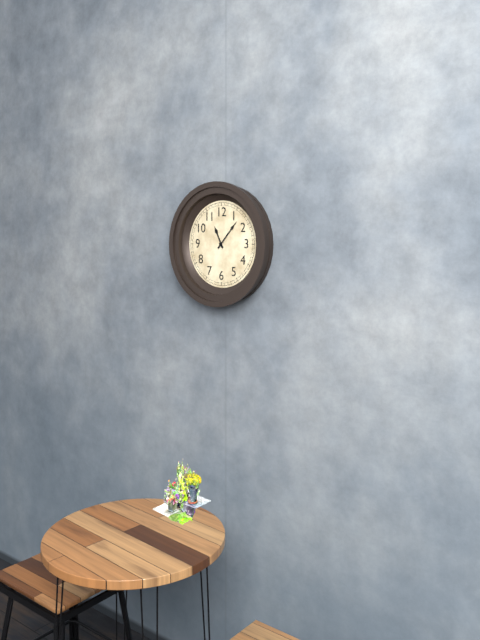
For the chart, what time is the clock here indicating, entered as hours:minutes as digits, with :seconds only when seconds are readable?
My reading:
11:07
